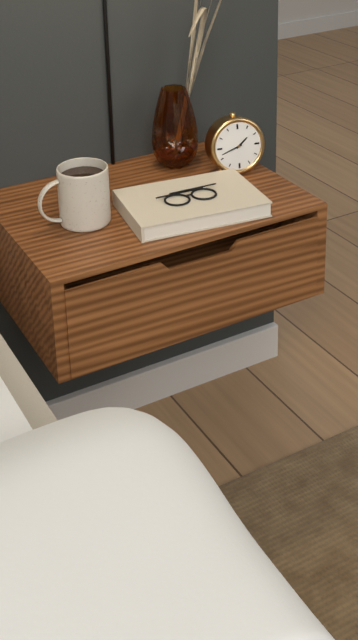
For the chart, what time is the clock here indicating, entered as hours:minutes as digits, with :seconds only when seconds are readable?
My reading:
1:42
